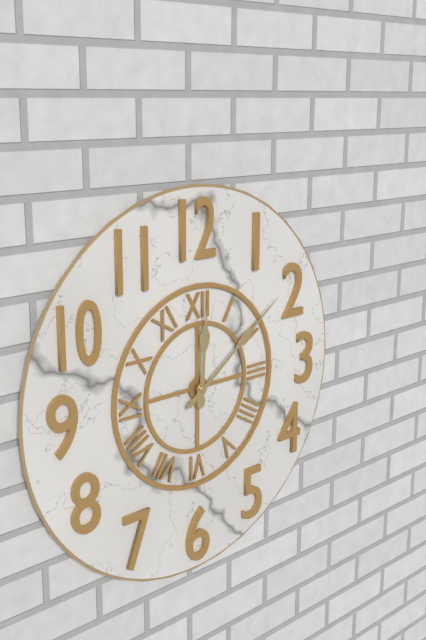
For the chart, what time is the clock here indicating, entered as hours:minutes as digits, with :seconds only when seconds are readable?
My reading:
12:09
